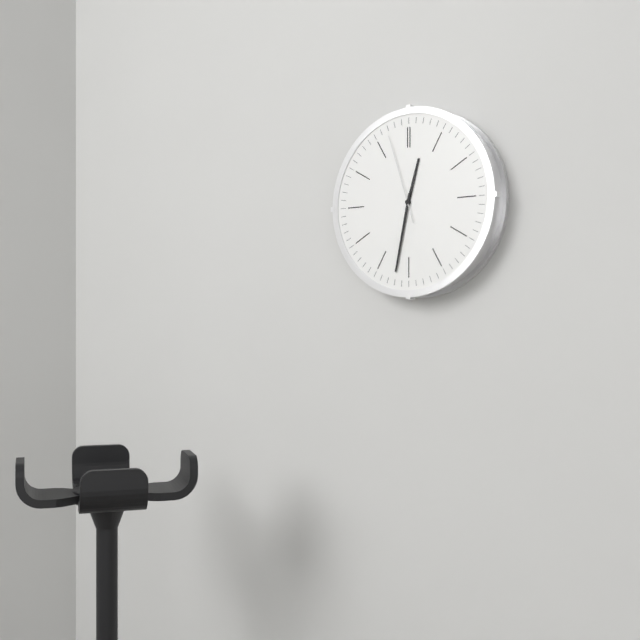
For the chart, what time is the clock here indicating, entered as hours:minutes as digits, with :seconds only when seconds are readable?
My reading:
12:32:57
